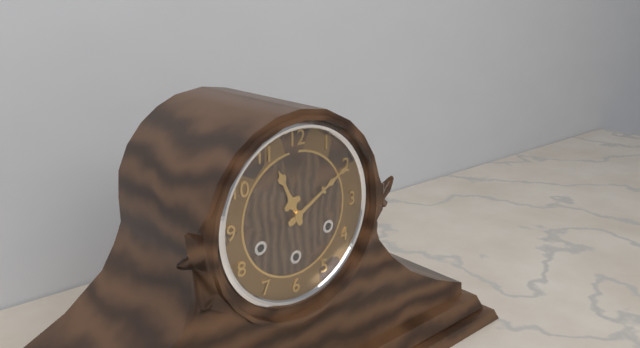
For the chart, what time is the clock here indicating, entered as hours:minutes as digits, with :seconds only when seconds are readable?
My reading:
11:10
